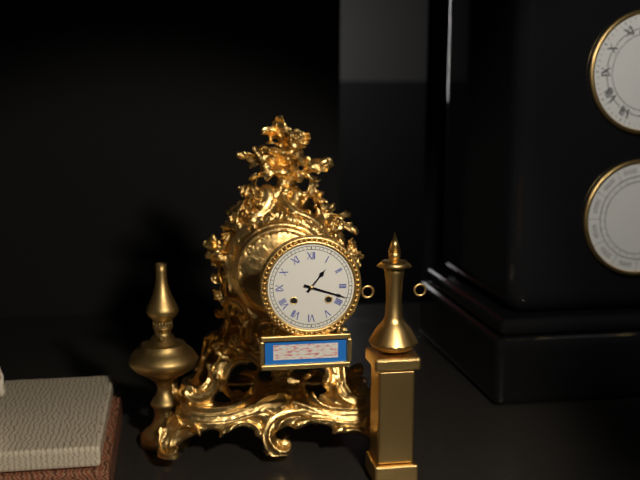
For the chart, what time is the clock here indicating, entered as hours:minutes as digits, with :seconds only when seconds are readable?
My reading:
1:18
